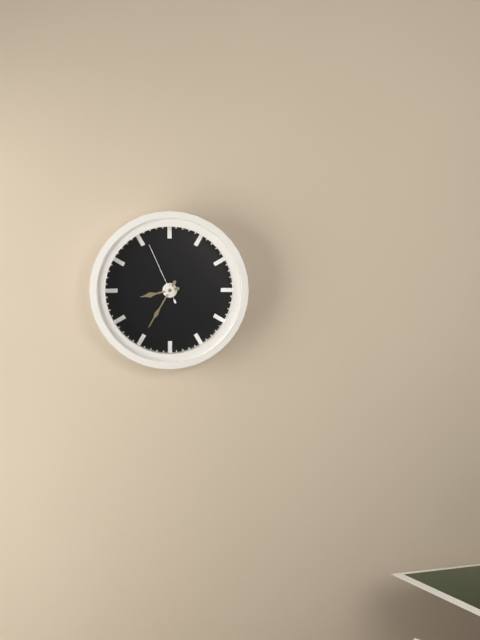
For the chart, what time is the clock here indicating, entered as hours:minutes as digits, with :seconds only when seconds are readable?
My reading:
8:35:56
